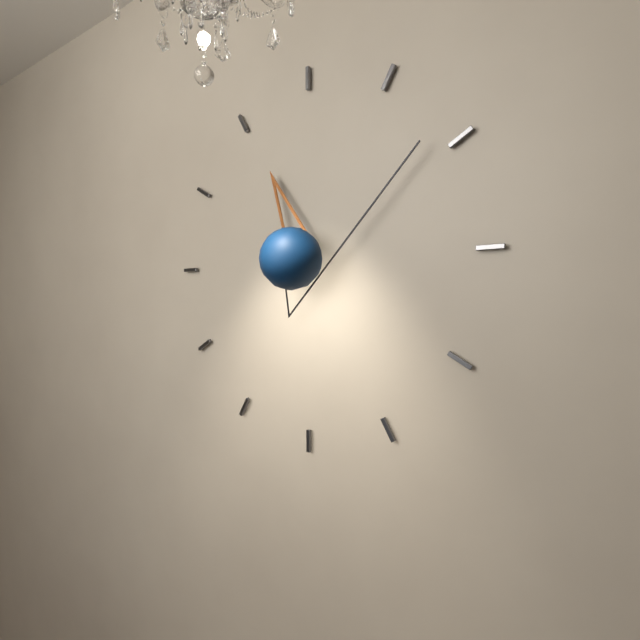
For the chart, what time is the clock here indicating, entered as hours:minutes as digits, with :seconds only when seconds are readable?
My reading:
11:09
